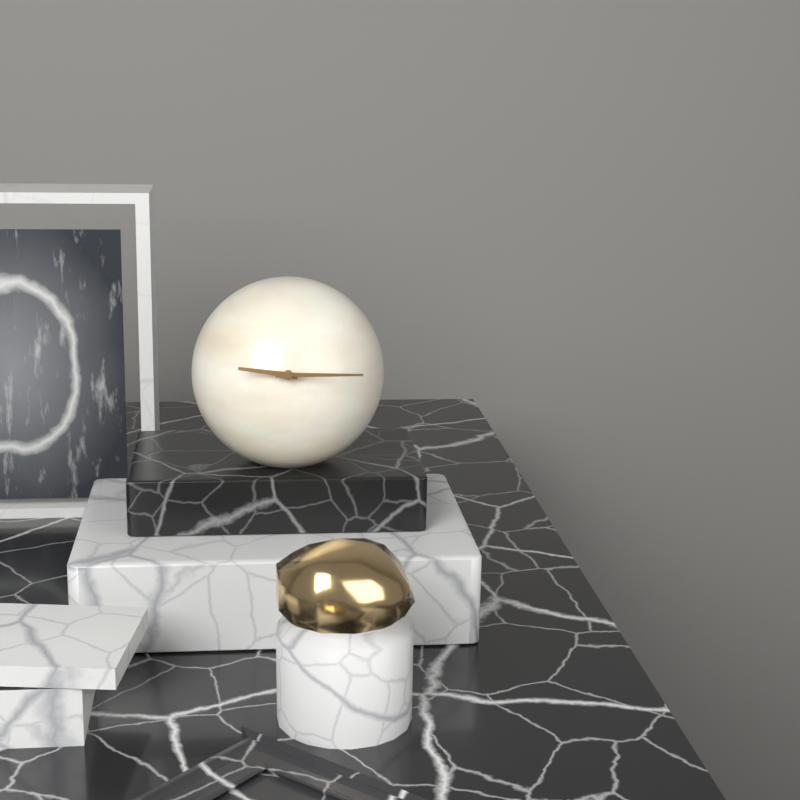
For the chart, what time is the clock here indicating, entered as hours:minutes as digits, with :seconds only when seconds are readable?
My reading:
9:15
